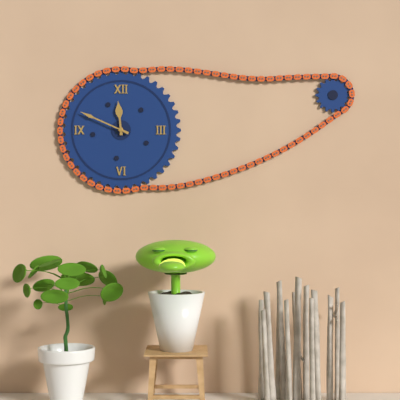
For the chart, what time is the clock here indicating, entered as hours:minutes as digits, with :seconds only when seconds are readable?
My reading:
11:49
